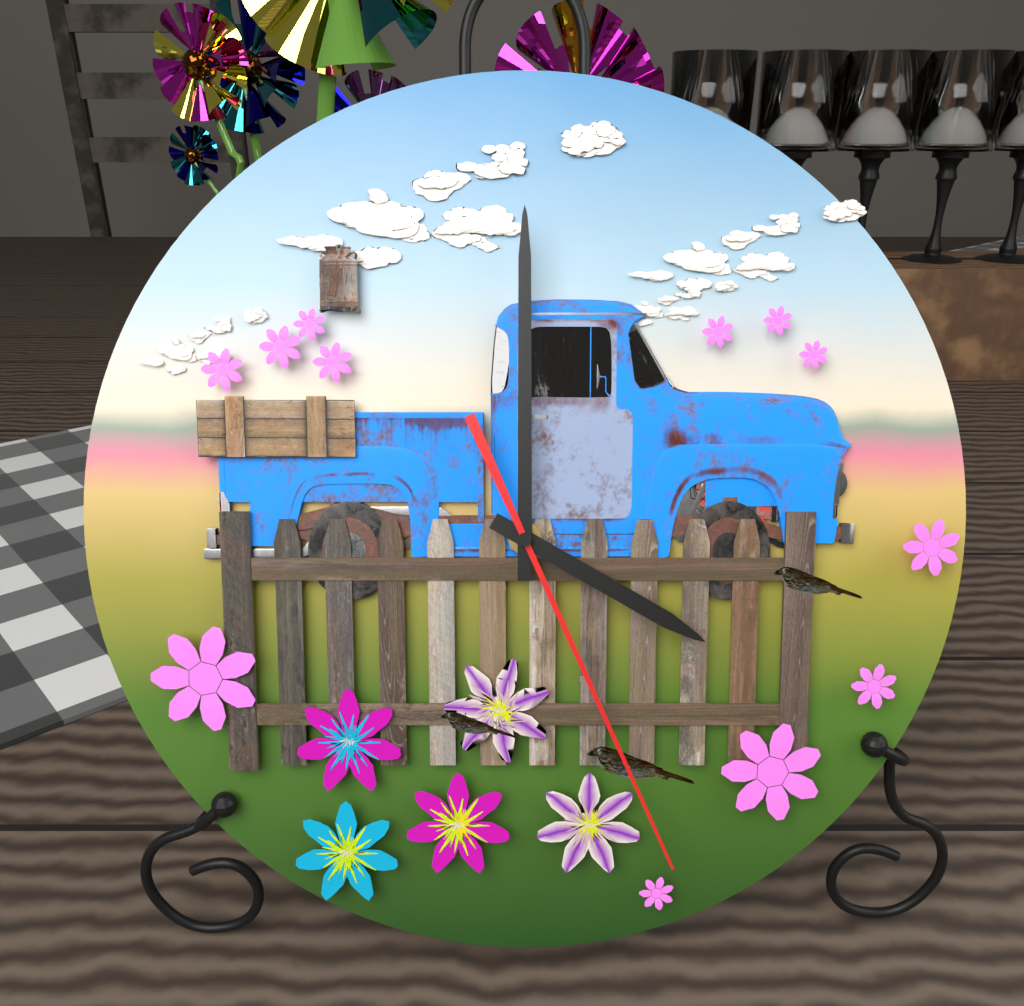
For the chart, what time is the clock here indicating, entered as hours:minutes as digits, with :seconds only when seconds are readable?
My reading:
4:00:26
